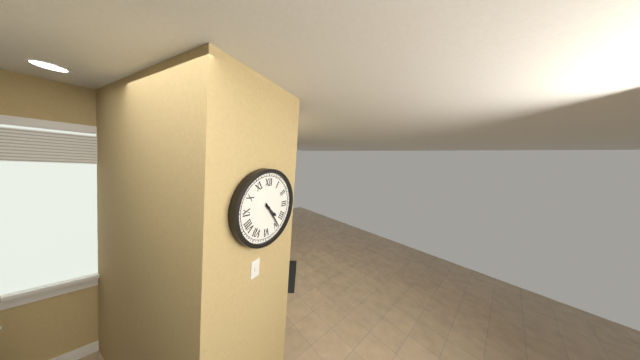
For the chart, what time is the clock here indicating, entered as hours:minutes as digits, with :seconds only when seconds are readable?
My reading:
4:24
